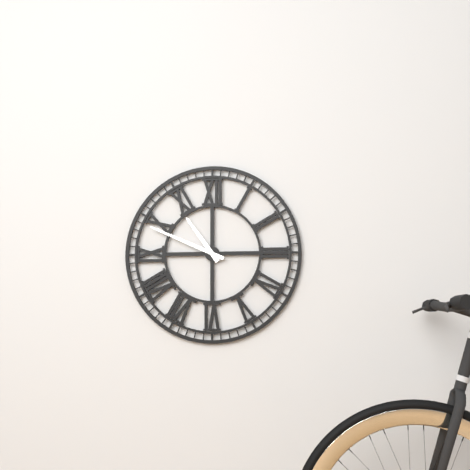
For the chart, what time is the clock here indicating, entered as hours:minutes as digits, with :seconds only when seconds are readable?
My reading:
10:49
